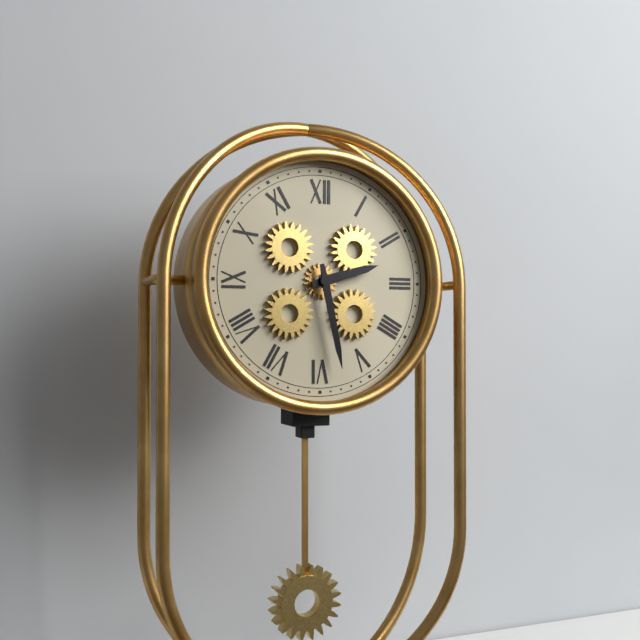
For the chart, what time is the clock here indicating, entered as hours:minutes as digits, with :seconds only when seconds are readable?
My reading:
2:28
